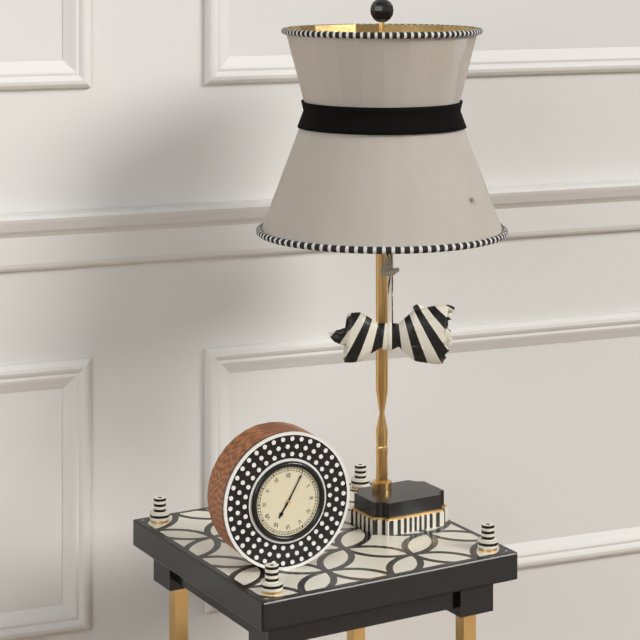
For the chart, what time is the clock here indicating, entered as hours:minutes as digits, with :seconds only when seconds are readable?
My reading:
7:05
